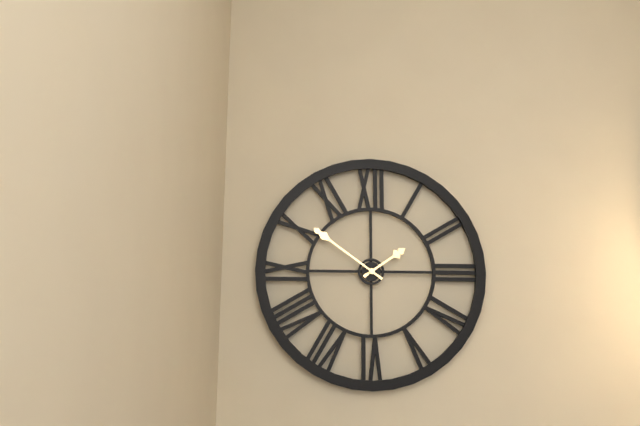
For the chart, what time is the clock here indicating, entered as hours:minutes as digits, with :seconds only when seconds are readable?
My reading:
1:51
